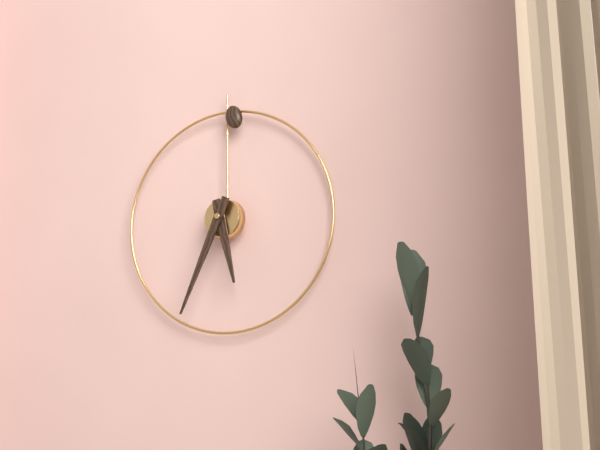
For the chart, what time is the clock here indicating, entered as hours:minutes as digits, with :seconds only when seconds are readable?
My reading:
5:34
